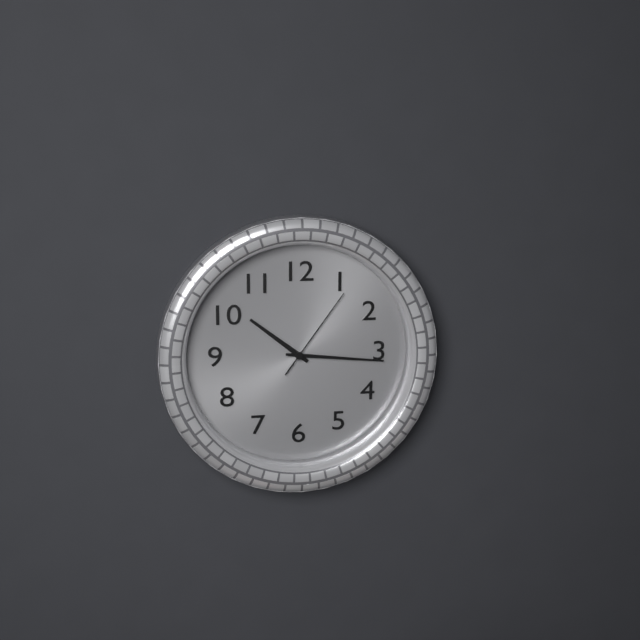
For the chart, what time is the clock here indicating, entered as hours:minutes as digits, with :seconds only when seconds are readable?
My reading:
10:16:06
